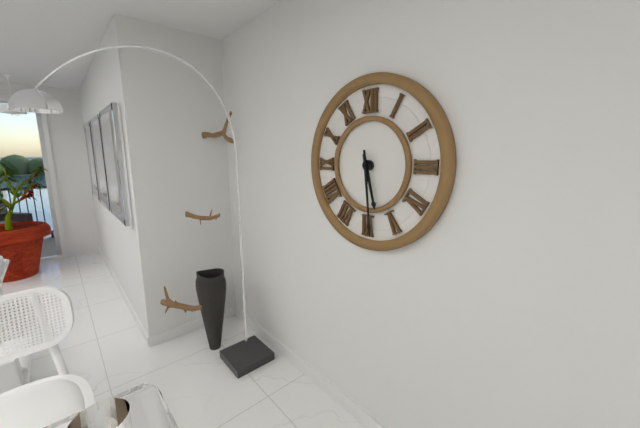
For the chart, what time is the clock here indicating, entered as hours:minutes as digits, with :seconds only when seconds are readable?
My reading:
5:29
